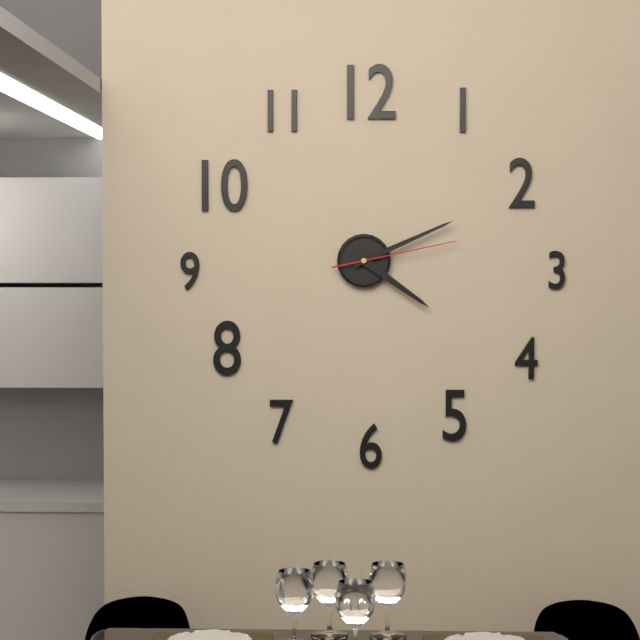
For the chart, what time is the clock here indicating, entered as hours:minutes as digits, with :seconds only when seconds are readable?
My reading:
4:11:13
